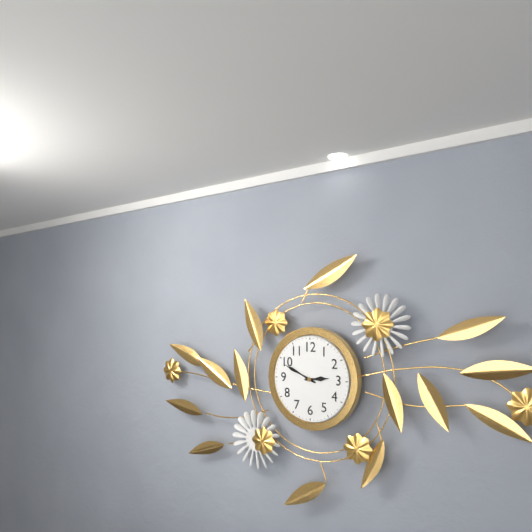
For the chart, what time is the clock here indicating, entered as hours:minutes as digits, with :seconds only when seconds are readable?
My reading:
2:49
